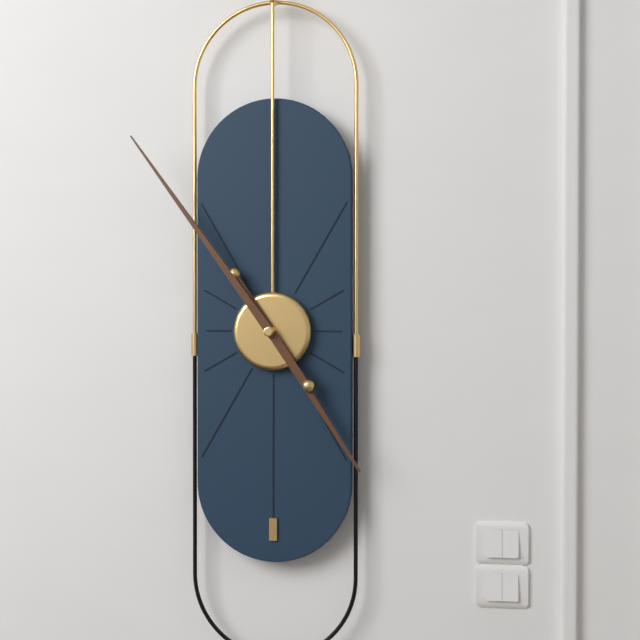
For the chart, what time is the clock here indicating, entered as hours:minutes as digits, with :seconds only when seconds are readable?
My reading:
4:54
